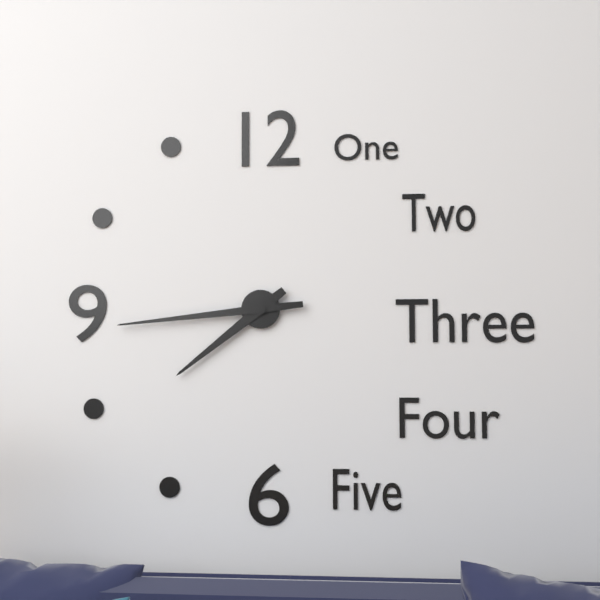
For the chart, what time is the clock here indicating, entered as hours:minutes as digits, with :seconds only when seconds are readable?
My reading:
7:44
